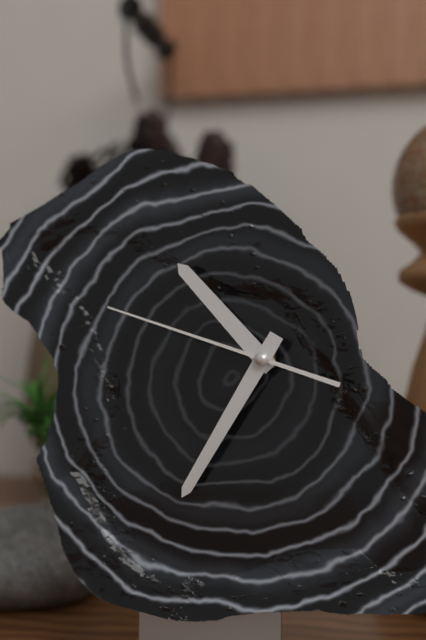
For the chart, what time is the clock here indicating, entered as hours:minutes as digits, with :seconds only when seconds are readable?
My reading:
10:35:48
